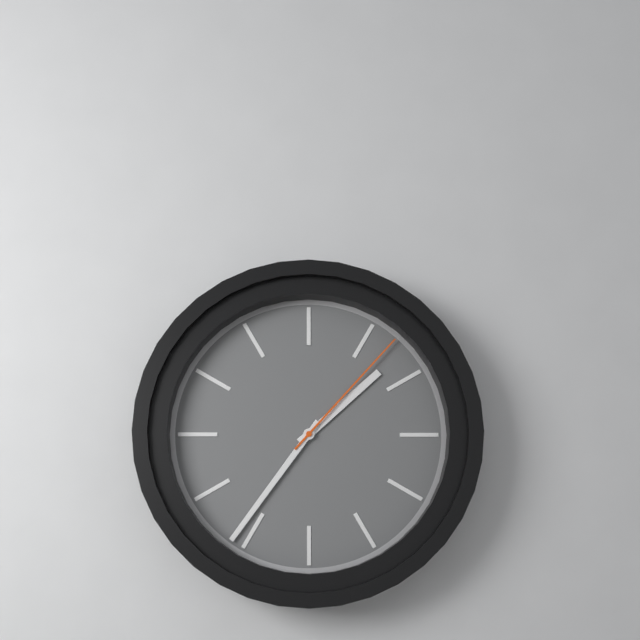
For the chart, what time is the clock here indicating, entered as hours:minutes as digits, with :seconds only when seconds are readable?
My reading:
1:36:07
